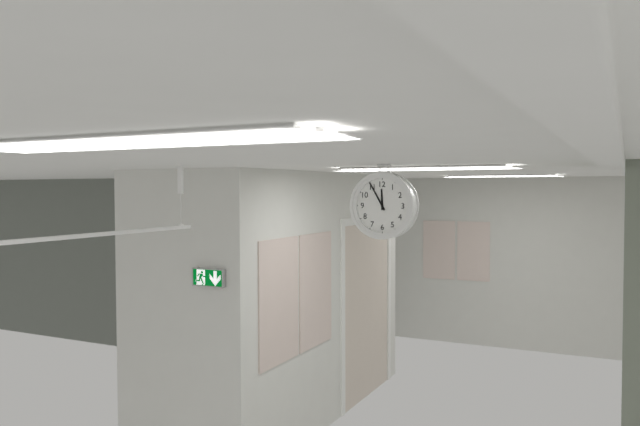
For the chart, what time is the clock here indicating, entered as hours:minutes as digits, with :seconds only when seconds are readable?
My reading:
11:55
